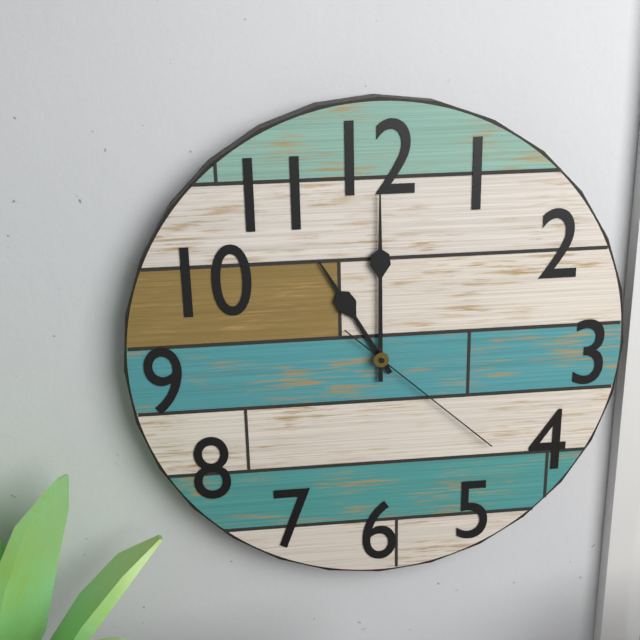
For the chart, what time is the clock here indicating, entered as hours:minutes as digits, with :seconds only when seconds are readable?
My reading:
11:00:22
